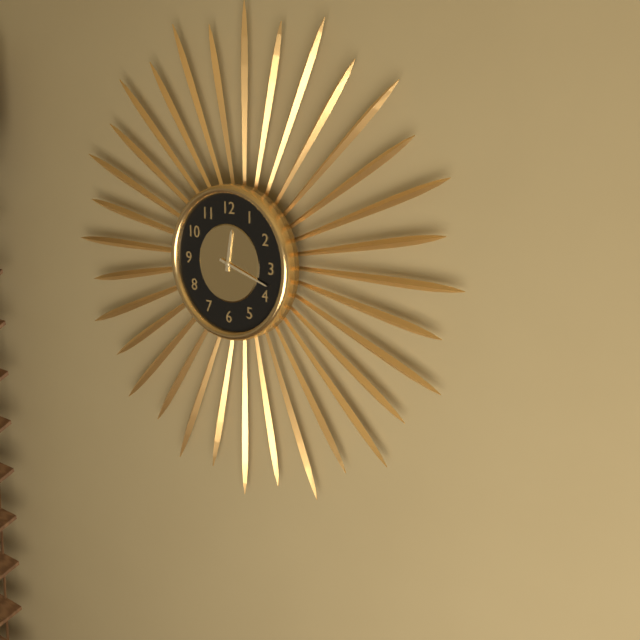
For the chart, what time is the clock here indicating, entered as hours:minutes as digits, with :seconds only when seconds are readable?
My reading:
12:18
